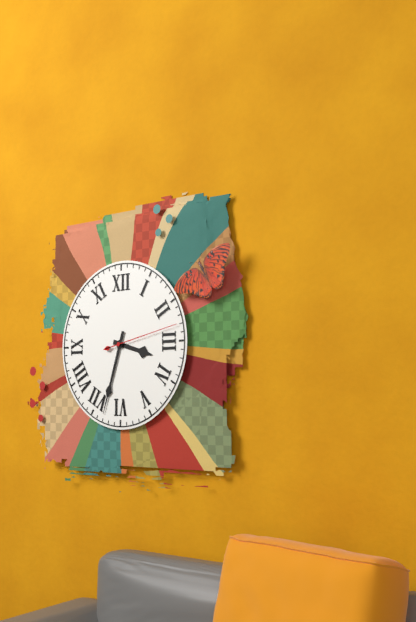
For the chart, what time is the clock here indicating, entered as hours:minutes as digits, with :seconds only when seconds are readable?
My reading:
3:33:13
